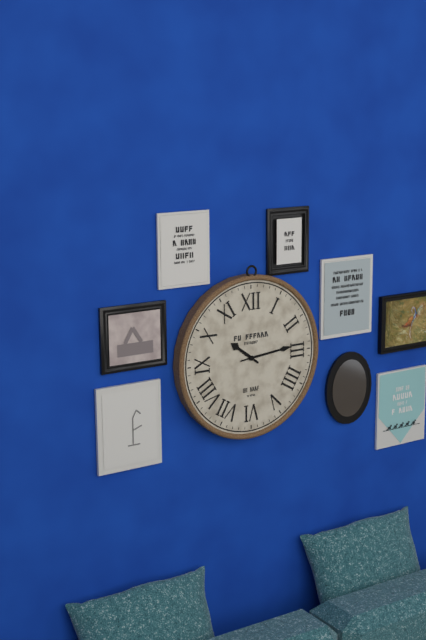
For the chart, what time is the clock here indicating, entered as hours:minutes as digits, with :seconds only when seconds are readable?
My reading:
10:14
